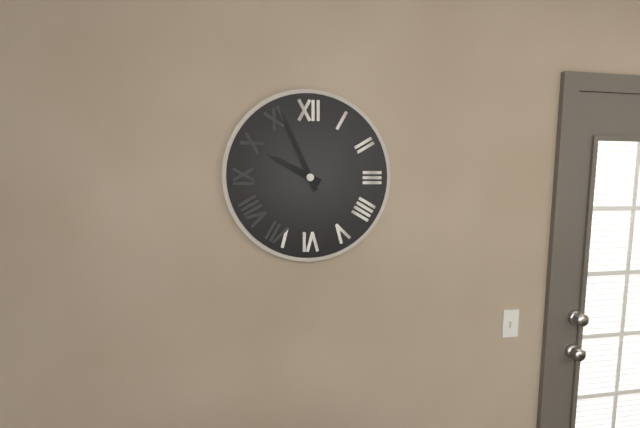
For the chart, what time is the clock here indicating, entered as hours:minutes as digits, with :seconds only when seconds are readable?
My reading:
9:56
